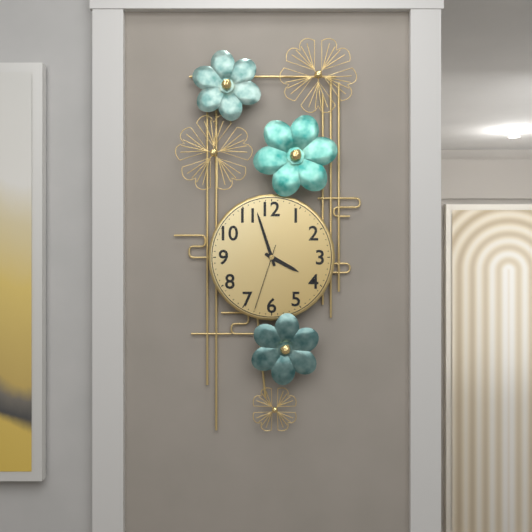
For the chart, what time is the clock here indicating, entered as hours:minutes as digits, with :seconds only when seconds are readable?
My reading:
3:57:33
